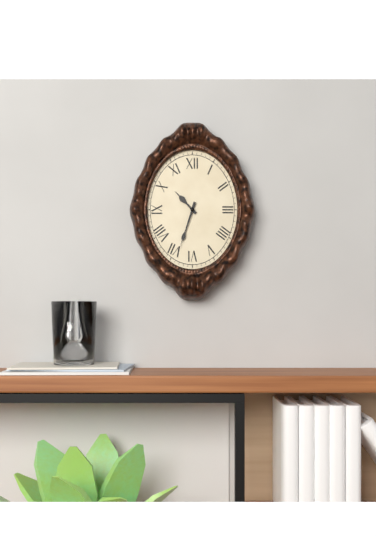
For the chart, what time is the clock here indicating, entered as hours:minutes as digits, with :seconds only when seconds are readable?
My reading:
10:33
